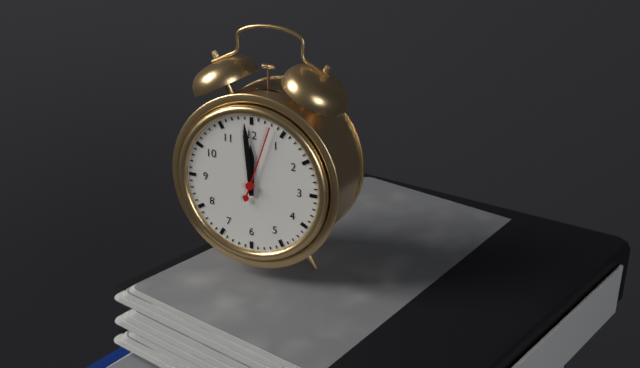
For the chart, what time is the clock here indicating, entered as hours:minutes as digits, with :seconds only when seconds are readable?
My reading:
11:59:03
